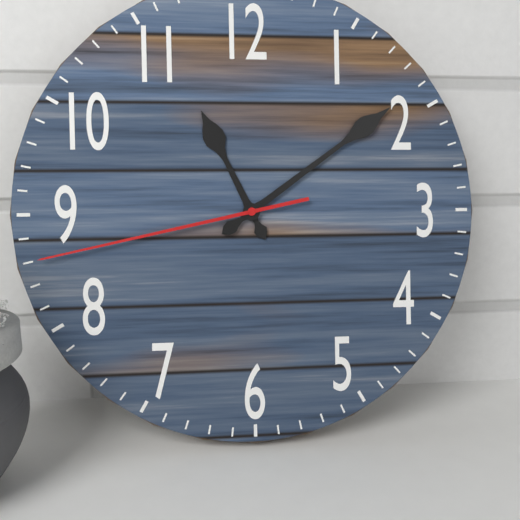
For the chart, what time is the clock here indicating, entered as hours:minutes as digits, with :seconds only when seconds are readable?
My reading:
11:09:43
